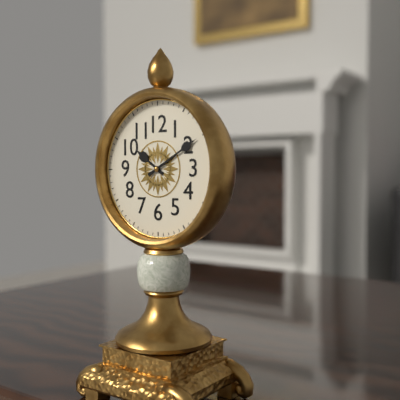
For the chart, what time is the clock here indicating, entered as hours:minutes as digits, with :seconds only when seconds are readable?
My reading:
10:10
